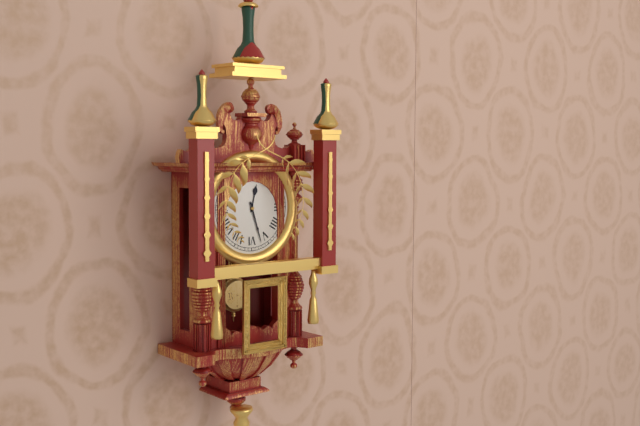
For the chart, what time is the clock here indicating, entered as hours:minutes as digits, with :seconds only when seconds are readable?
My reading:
12:27
